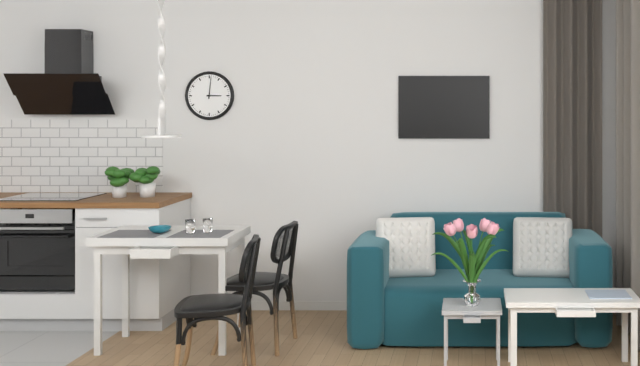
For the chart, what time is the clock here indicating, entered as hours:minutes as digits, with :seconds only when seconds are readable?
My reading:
3:01
